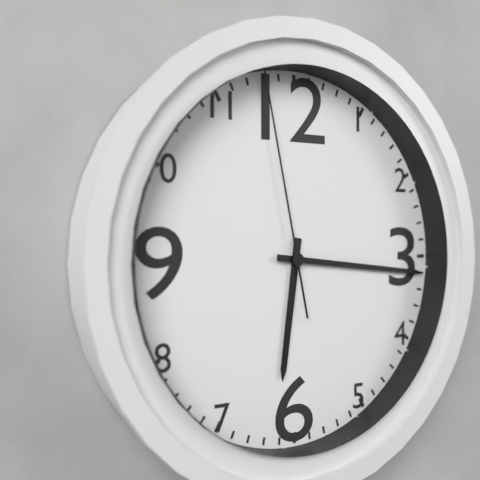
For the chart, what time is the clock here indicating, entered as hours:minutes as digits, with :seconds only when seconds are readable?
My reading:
6:16:58
